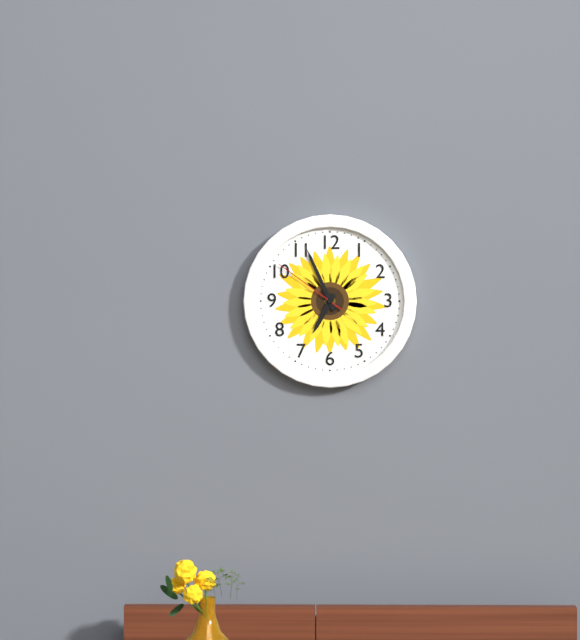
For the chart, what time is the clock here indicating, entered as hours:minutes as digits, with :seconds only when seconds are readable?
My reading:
6:56:51
